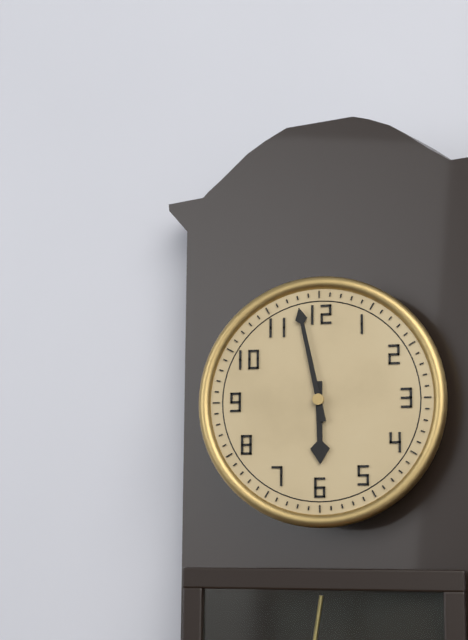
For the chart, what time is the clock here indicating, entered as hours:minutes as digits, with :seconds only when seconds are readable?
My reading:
5:58
